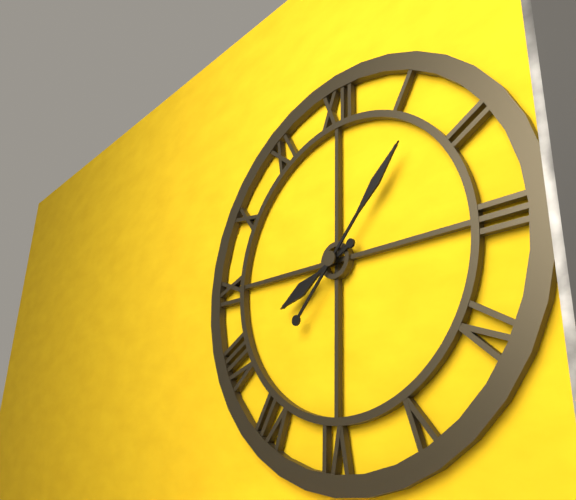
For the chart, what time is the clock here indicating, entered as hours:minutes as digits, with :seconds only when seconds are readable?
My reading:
8:07
